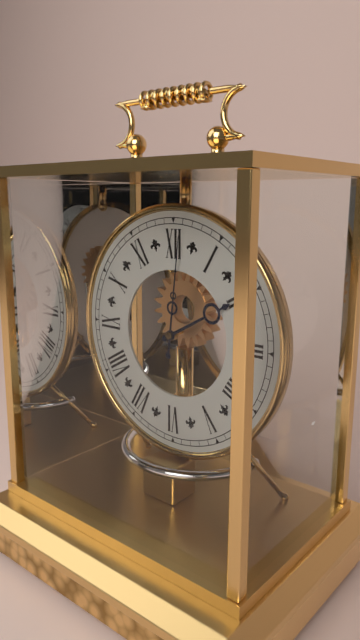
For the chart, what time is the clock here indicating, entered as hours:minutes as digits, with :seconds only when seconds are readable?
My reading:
2:01
